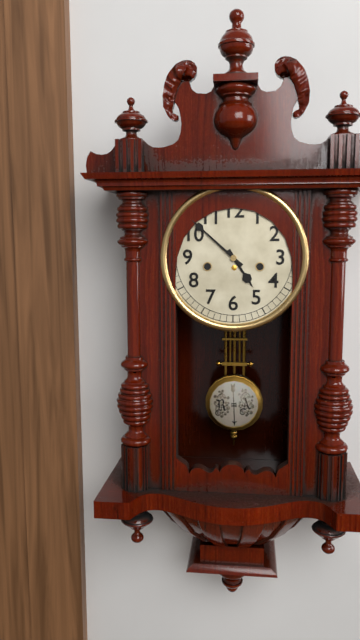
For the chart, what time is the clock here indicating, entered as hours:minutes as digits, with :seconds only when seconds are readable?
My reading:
4:52
